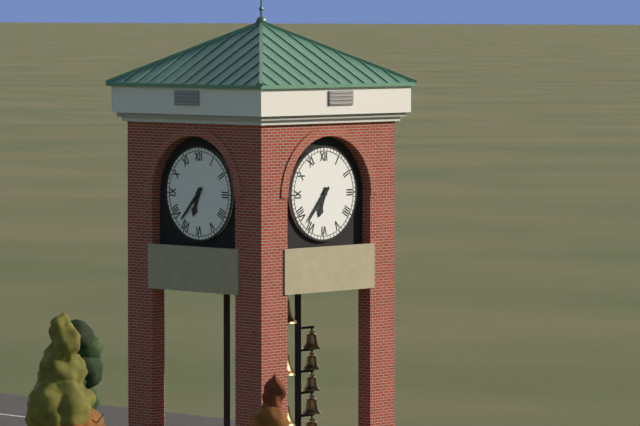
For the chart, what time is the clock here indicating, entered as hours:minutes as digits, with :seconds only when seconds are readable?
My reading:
6:37
